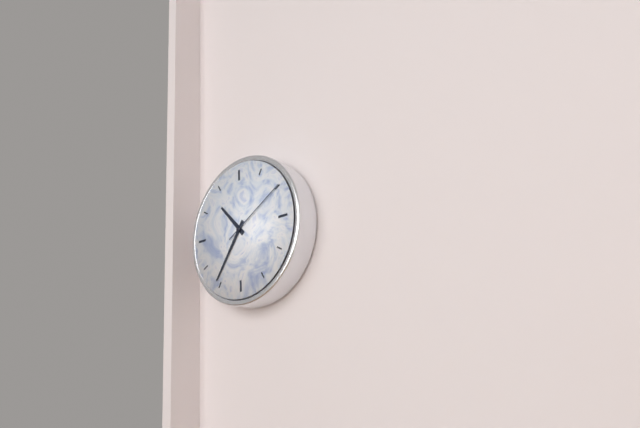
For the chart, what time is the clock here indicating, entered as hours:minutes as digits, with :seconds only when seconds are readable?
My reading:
10:36:10
